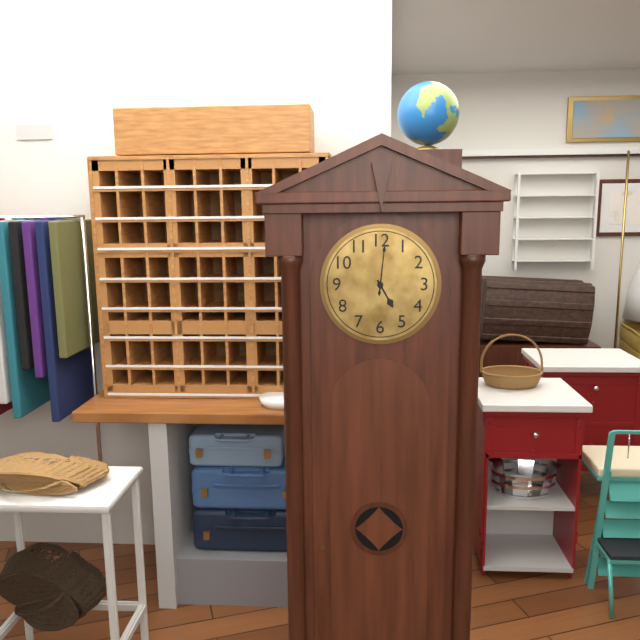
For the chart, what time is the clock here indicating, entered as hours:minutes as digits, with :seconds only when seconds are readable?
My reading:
5:01
